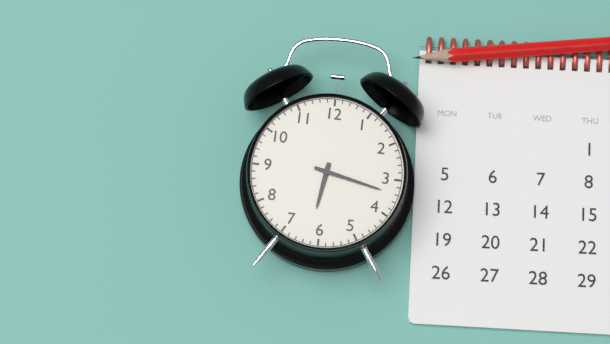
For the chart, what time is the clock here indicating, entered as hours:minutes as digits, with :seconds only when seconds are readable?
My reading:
6:17
